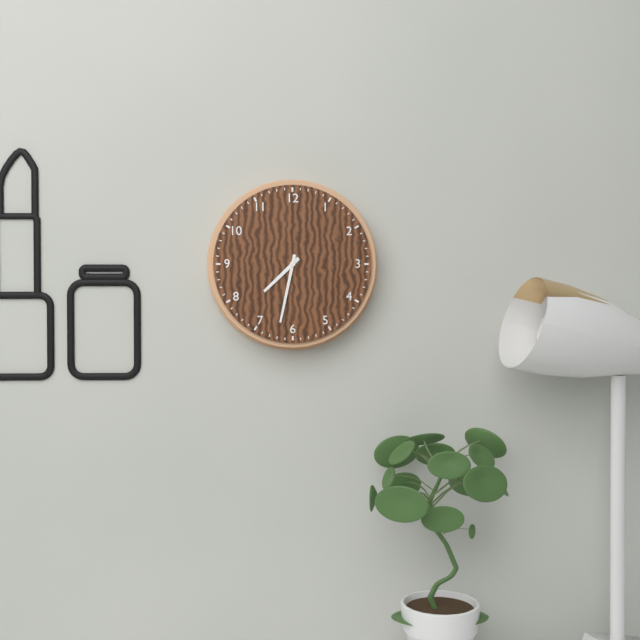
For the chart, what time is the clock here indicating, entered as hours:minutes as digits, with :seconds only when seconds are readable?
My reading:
7:32
